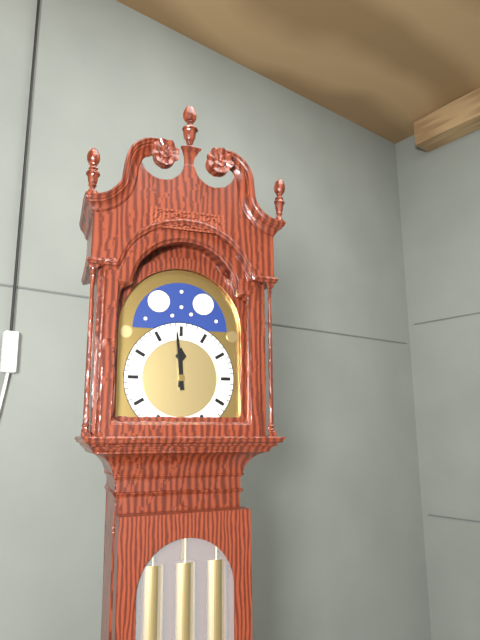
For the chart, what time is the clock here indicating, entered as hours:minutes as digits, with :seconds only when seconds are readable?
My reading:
11:59
